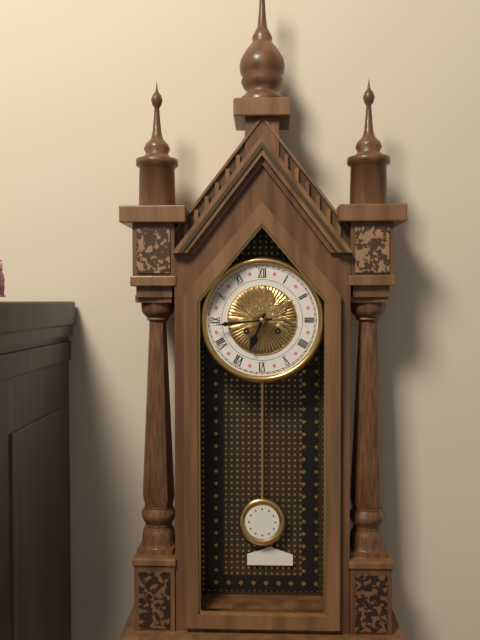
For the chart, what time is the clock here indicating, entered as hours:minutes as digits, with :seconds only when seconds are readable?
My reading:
6:44
